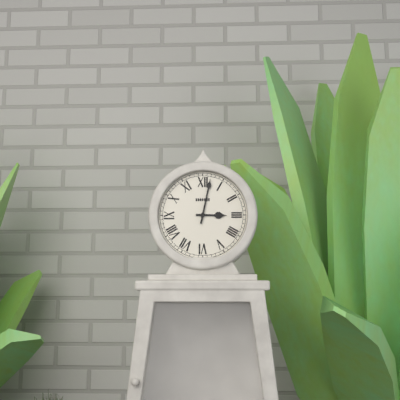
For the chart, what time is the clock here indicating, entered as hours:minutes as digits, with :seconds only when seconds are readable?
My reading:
3:02
